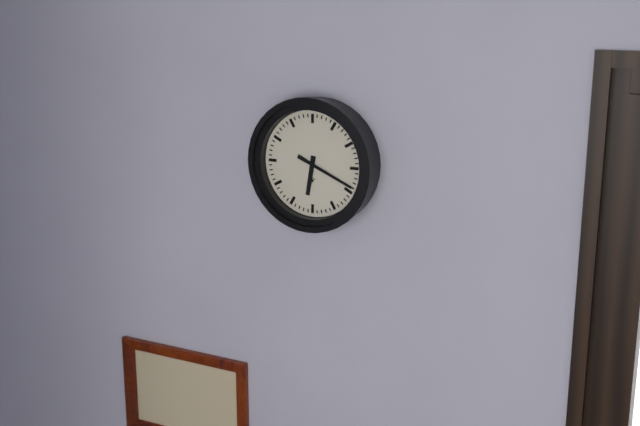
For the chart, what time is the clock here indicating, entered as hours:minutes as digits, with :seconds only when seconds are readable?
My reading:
6:19
